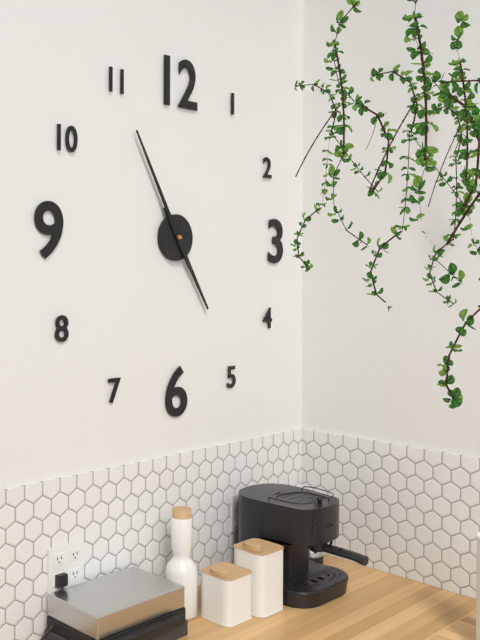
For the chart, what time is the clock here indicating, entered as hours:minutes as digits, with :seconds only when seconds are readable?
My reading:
4:55
